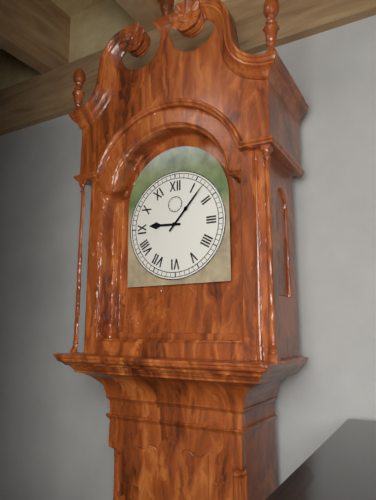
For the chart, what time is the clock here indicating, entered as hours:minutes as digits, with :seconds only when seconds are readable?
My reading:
9:07
